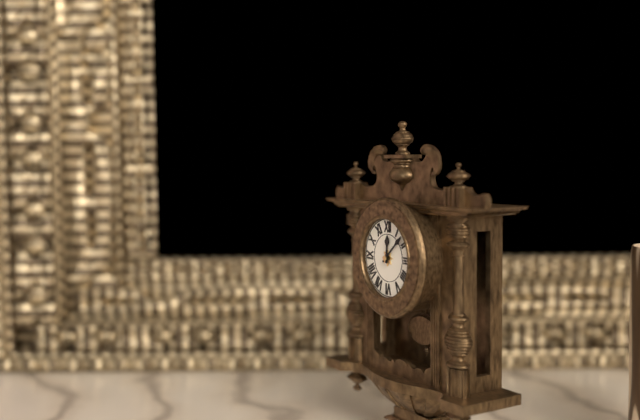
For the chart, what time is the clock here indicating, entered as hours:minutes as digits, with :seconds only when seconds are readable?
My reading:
12:08
